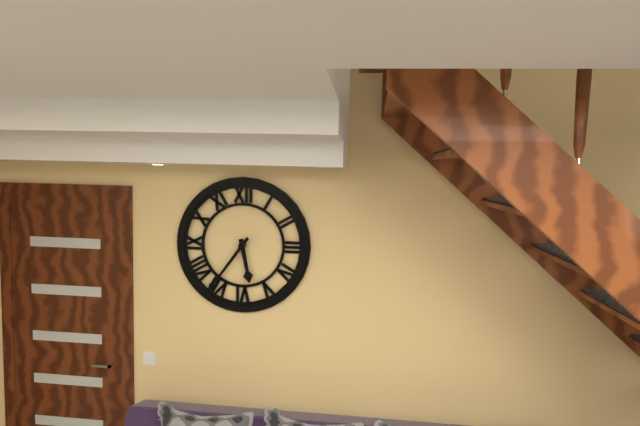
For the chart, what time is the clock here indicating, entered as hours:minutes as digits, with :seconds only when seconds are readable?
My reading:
5:36
